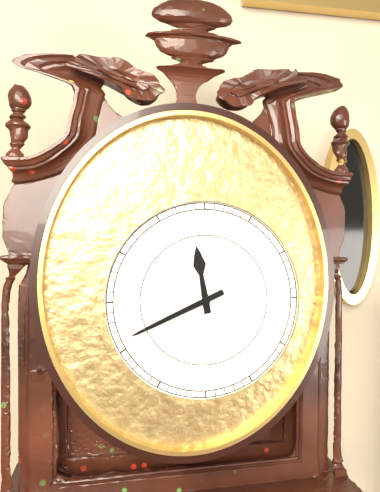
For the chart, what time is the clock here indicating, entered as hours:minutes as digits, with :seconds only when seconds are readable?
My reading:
11:41
